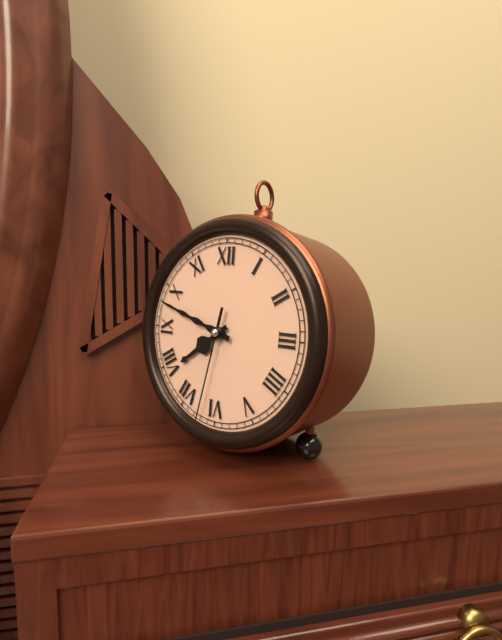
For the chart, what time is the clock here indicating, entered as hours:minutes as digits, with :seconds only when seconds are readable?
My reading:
7:48:32
